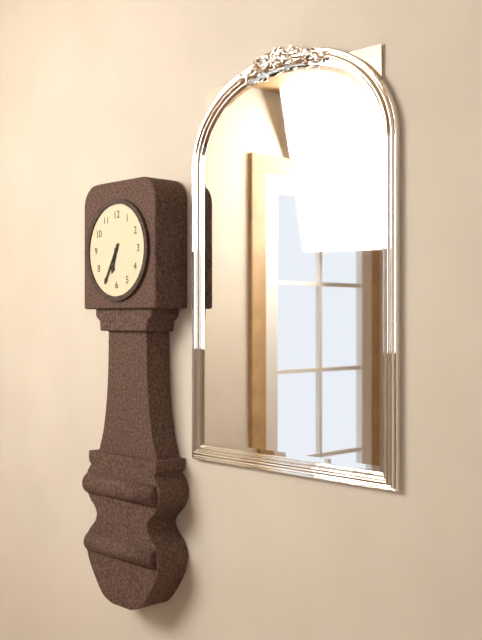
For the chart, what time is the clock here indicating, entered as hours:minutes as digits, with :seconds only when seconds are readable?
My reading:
6:35
